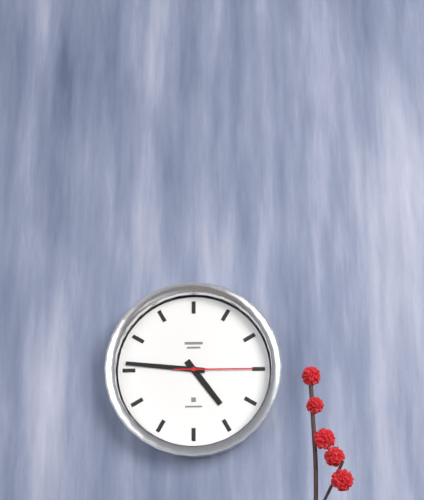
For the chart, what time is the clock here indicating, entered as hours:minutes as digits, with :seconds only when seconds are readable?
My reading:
4:46:15
